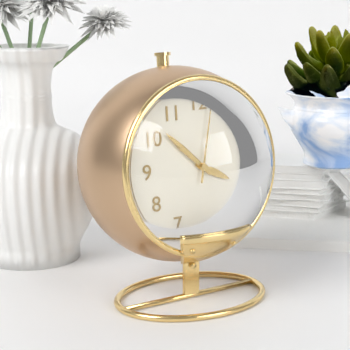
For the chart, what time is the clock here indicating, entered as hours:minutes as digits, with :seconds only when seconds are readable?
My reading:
3:52:02
